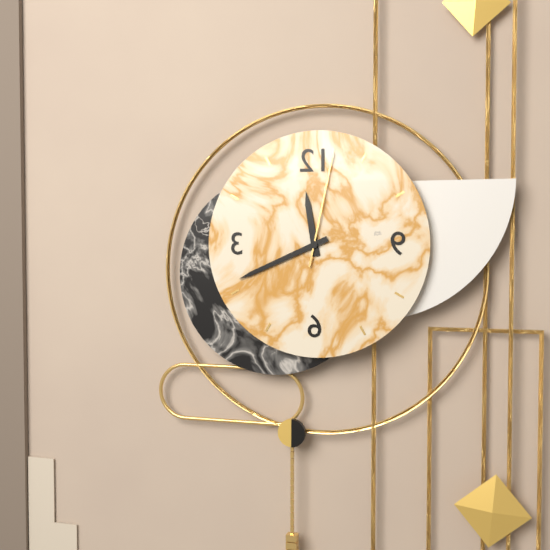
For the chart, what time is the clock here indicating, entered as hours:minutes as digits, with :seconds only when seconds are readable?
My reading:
11:41:02
